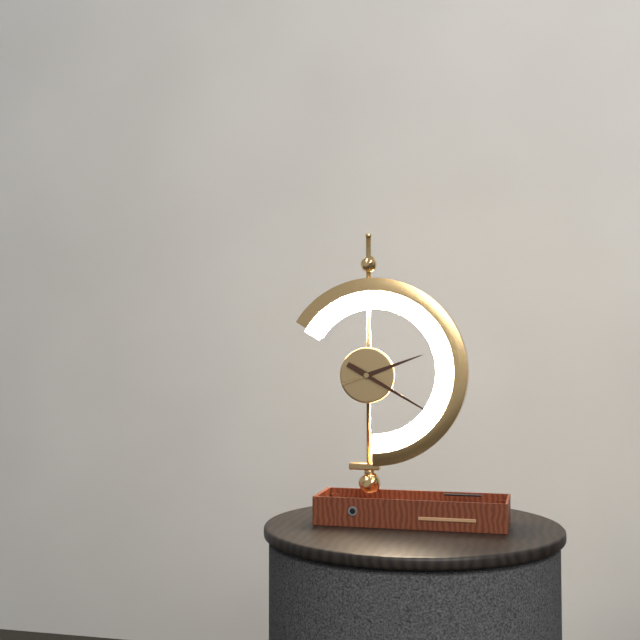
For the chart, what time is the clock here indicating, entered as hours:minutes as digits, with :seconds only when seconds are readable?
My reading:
2:20
